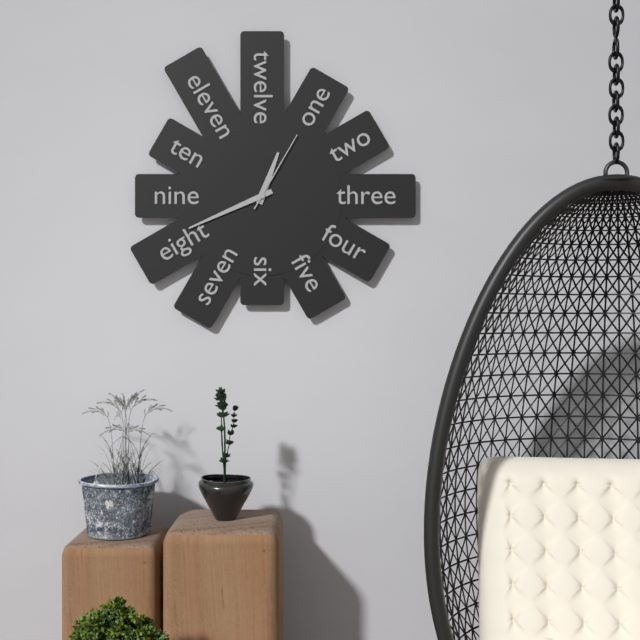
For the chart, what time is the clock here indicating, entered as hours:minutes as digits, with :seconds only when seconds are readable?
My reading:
12:41:05
